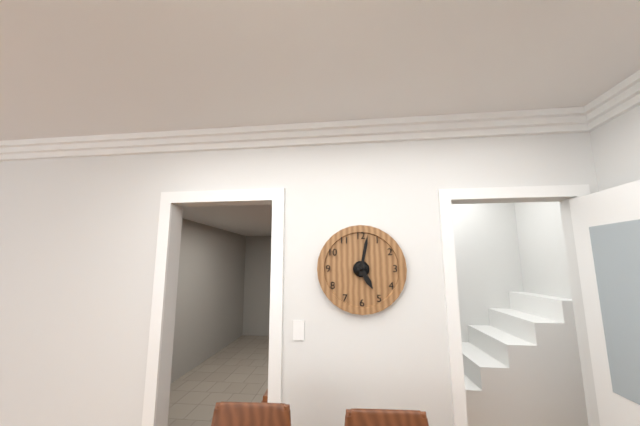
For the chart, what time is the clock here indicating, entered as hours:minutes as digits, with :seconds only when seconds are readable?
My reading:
5:02
